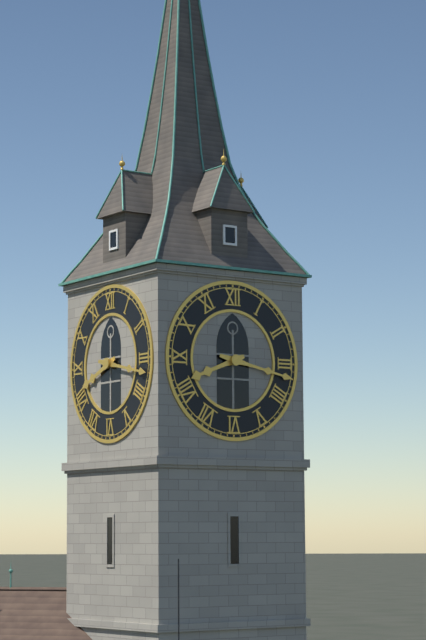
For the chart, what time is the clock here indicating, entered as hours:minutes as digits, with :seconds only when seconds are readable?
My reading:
8:17
